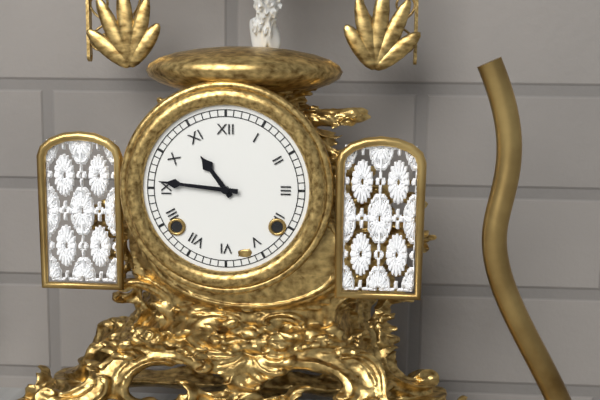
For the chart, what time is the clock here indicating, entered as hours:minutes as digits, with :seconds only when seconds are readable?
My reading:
10:46
